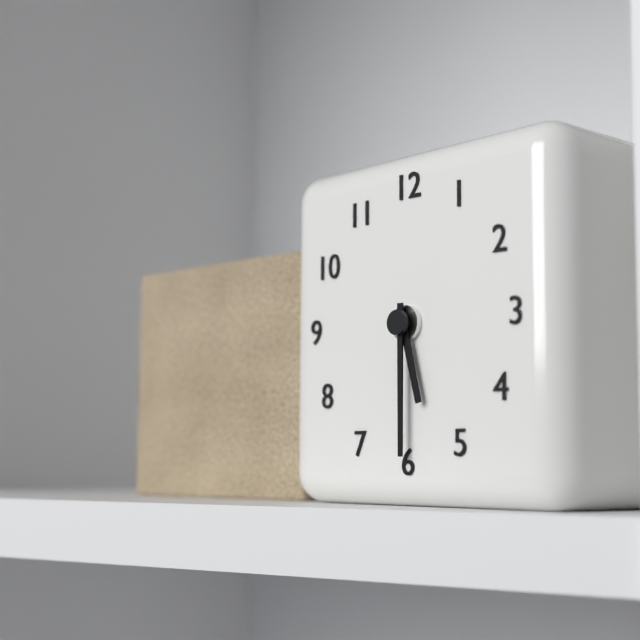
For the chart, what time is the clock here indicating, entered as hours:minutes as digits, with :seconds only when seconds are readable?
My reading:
5:30
